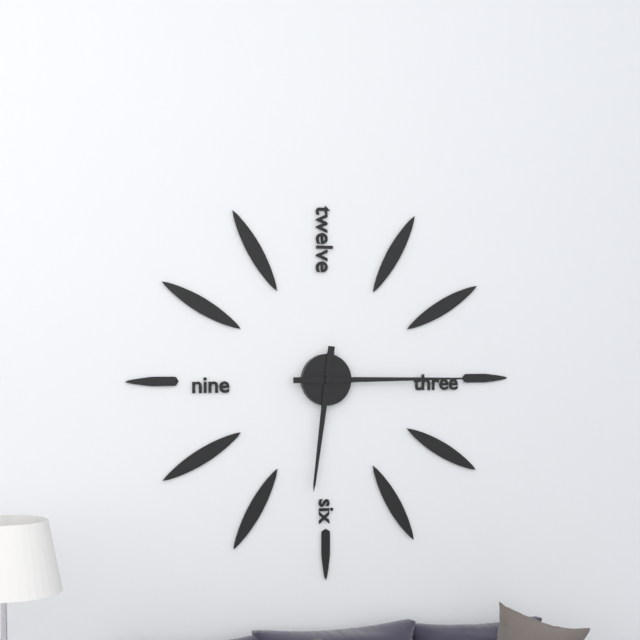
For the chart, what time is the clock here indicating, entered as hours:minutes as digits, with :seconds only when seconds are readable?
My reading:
6:15
